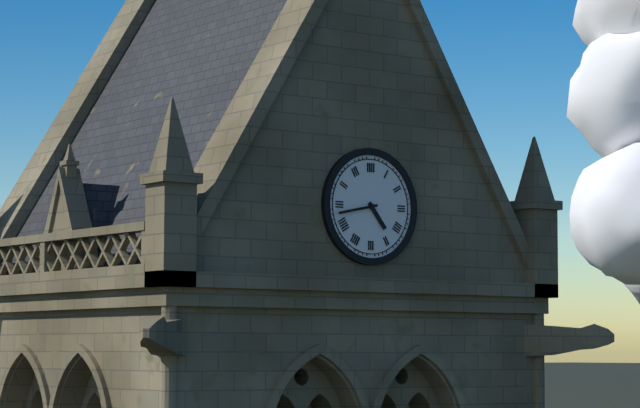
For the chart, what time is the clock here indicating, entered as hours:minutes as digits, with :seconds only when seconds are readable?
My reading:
4:43
